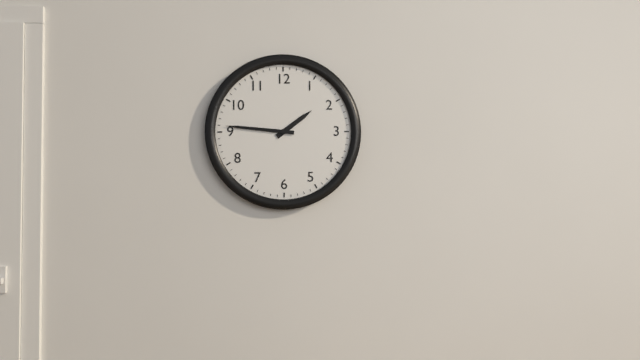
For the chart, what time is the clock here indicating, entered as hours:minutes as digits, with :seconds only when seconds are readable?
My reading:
1:46
